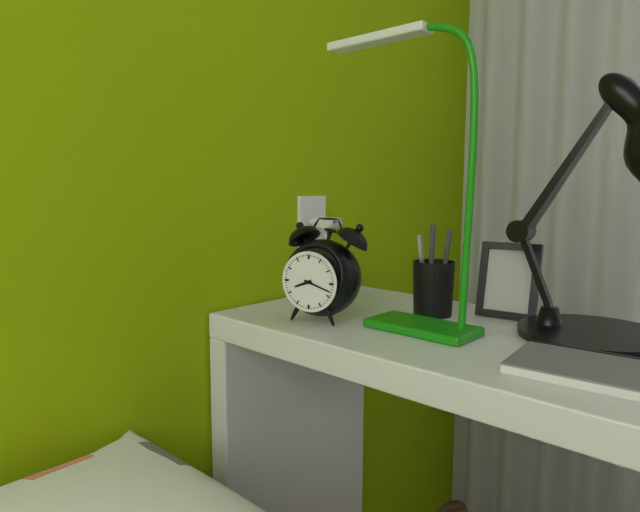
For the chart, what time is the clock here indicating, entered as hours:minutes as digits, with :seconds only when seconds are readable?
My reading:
8:18
